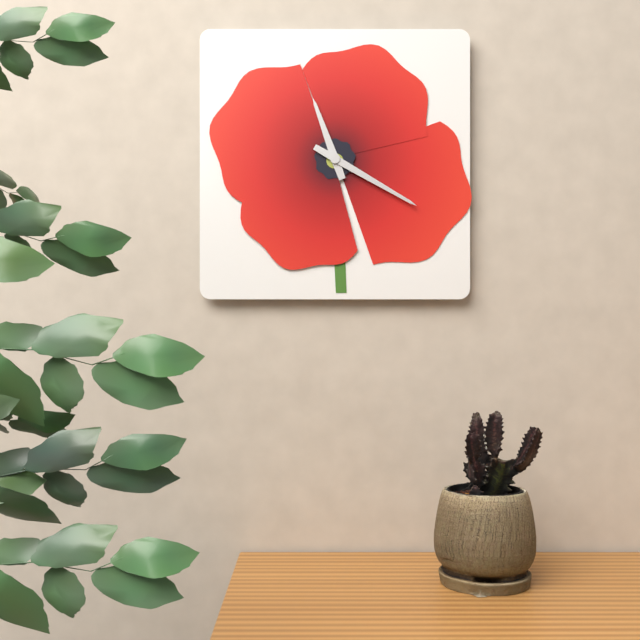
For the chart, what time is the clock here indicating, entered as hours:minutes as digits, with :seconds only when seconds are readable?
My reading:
11:20
